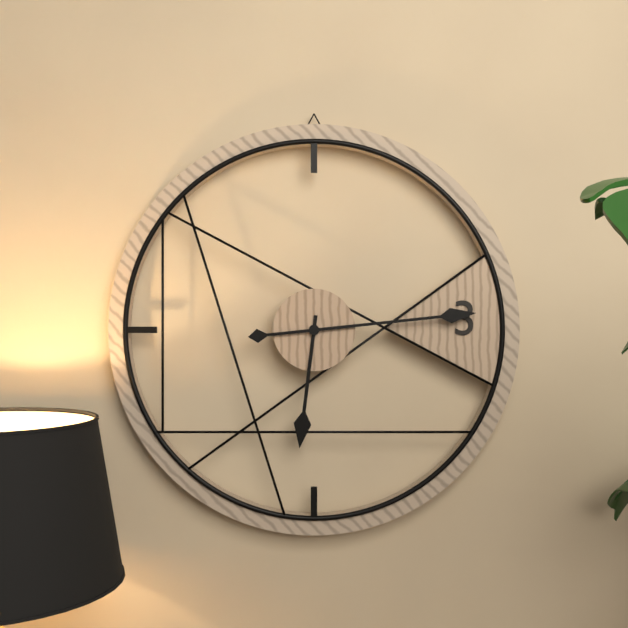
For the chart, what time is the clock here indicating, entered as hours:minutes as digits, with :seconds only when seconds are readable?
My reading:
6:14
